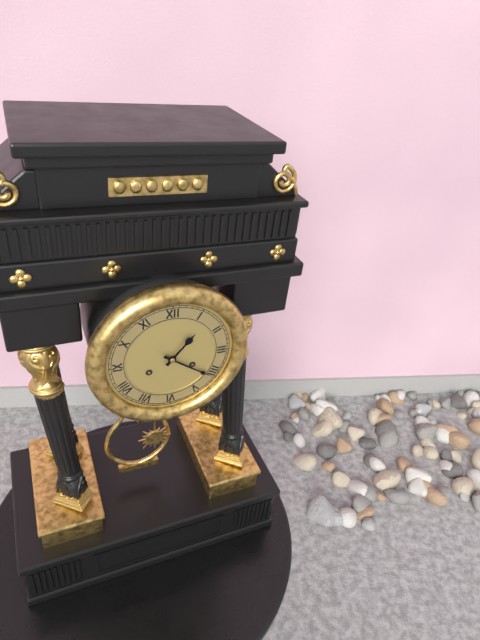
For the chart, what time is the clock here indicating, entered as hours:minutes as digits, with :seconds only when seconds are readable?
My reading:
1:21
